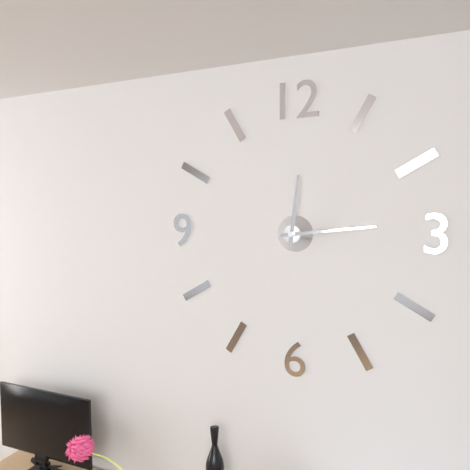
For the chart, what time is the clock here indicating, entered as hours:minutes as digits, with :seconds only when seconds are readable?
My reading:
12:14
